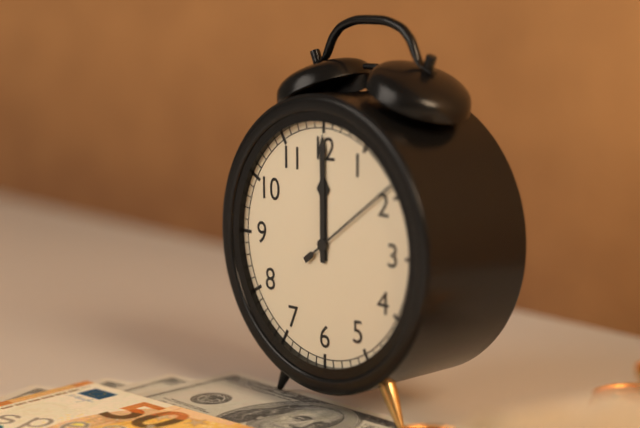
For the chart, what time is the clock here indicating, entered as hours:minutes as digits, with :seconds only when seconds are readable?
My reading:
12:00:09
